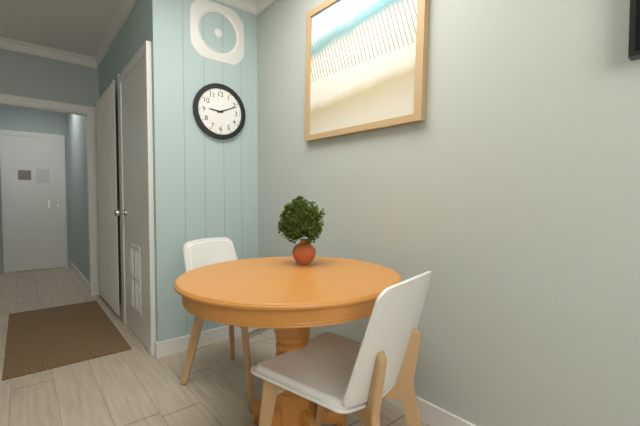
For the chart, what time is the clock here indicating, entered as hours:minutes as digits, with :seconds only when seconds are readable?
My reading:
9:11
